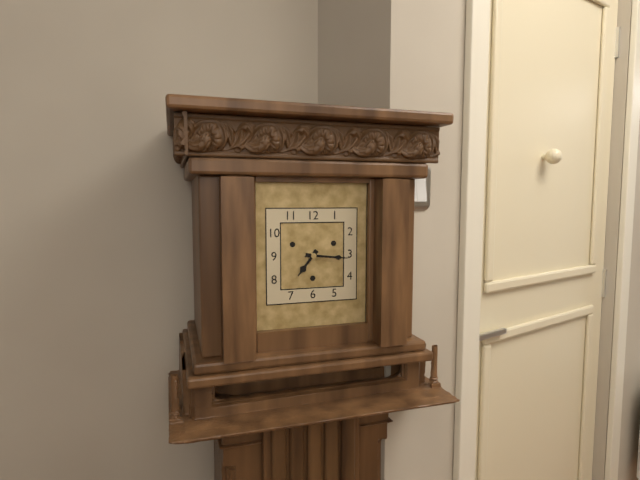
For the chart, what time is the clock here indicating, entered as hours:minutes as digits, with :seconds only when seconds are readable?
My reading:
7:16
